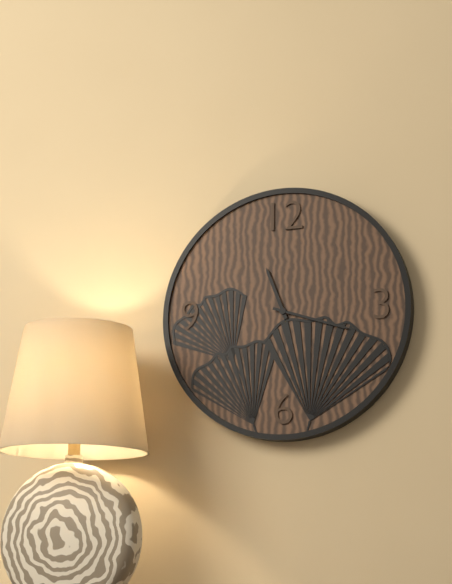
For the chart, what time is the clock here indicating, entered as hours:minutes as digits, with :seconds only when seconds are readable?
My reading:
11:18
